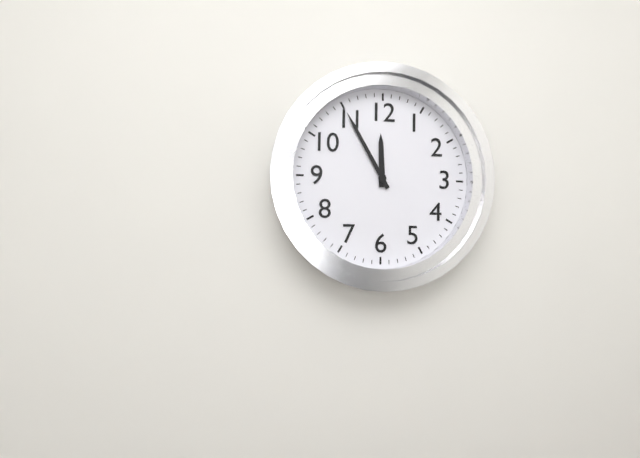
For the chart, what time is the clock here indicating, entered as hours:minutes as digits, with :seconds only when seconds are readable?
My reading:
11:55
